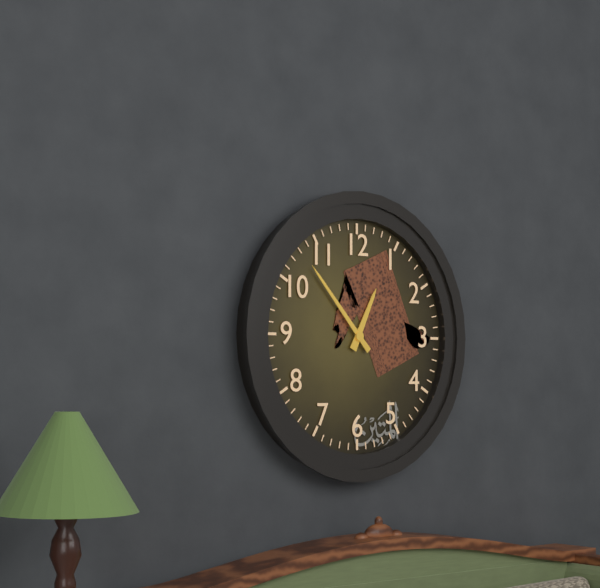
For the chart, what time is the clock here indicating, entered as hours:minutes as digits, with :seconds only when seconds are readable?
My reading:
12:53
